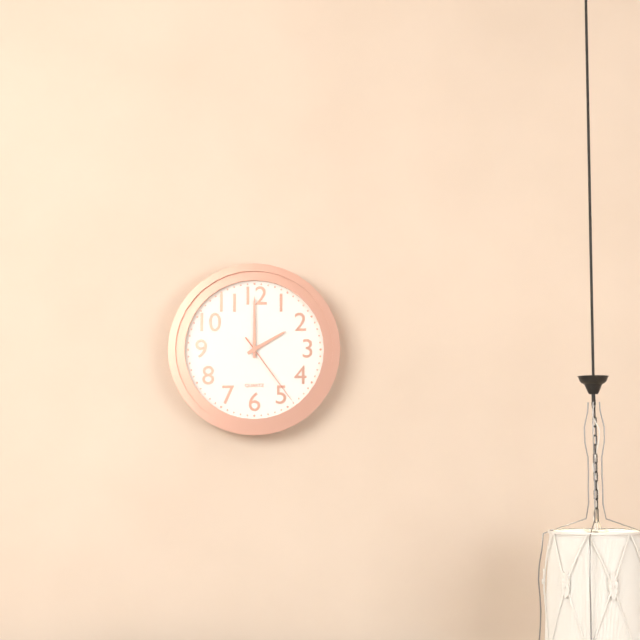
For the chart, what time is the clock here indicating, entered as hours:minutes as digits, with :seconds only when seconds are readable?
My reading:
2:00:24
